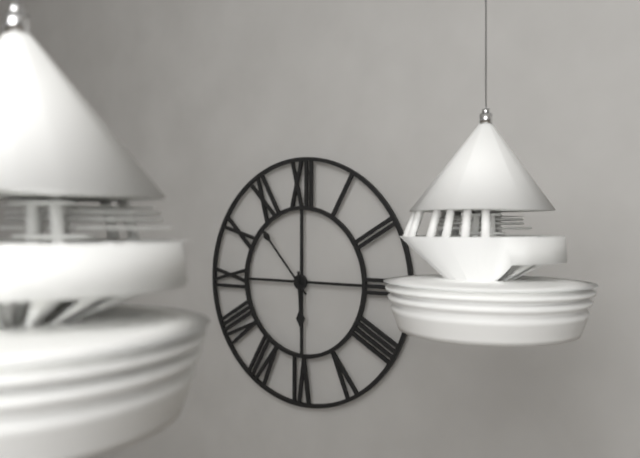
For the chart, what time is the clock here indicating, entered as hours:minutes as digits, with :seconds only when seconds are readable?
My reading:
5:53
